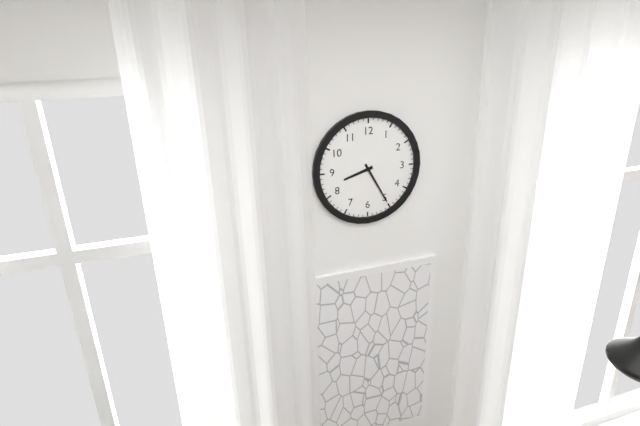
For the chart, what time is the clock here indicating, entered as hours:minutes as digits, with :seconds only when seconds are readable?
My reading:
8:25
